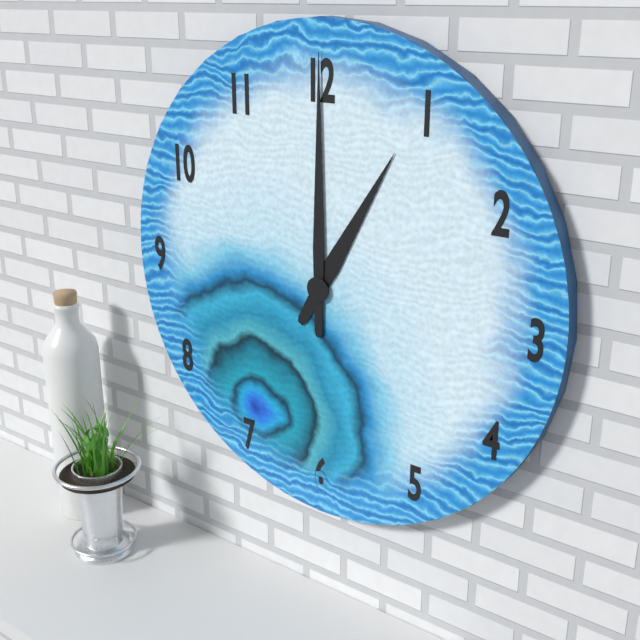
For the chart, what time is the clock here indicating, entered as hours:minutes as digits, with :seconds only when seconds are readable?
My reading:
1:00
